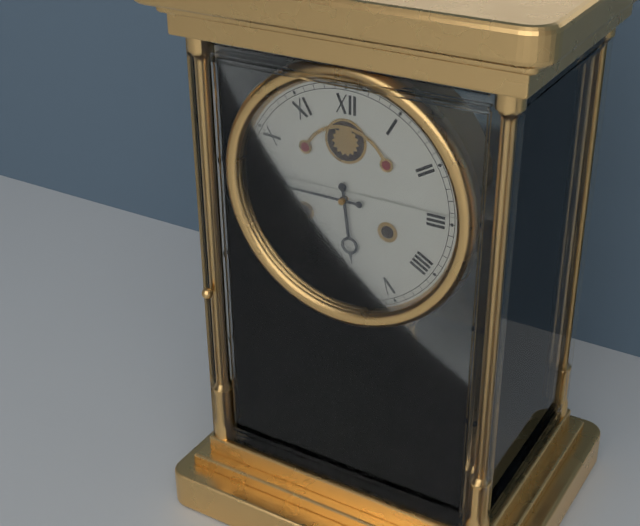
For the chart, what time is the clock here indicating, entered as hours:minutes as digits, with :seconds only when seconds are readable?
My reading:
5:45
